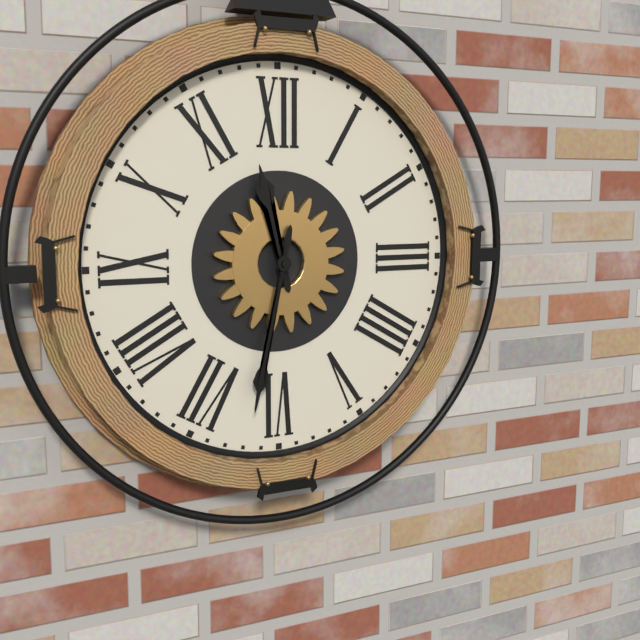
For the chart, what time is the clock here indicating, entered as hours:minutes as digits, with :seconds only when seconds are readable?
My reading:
11:32
